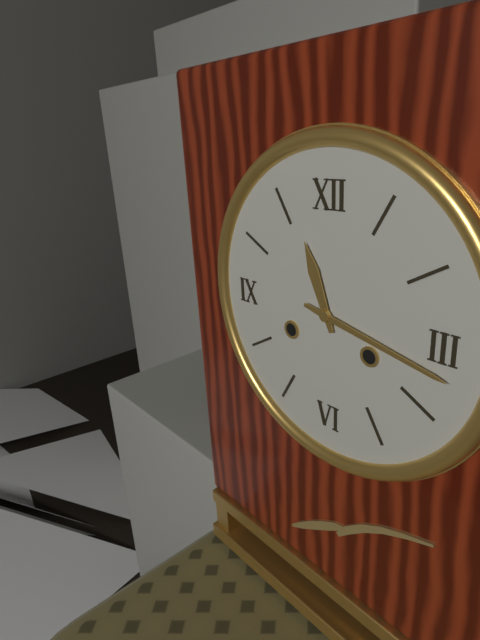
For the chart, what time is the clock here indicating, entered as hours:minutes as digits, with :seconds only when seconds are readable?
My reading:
11:17
